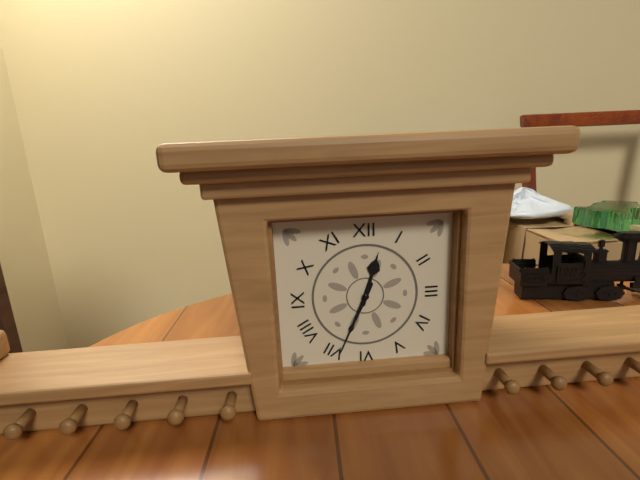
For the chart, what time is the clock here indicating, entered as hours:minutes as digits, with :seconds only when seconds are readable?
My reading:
12:34
